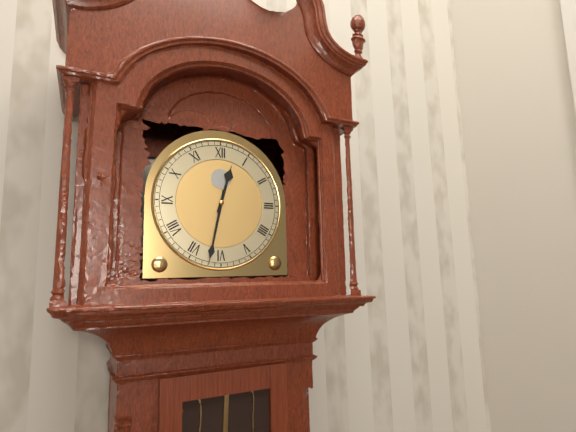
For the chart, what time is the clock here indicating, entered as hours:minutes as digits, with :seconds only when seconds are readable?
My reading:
12:32
